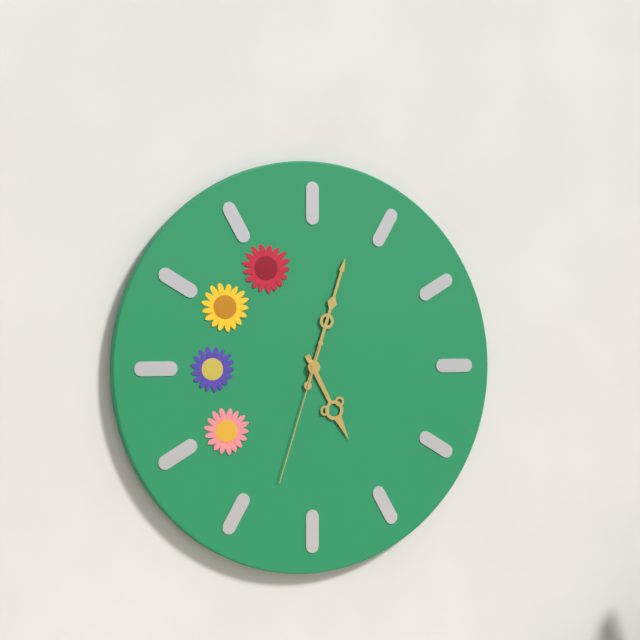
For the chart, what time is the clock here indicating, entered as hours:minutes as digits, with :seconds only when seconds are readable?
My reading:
5:03:33
